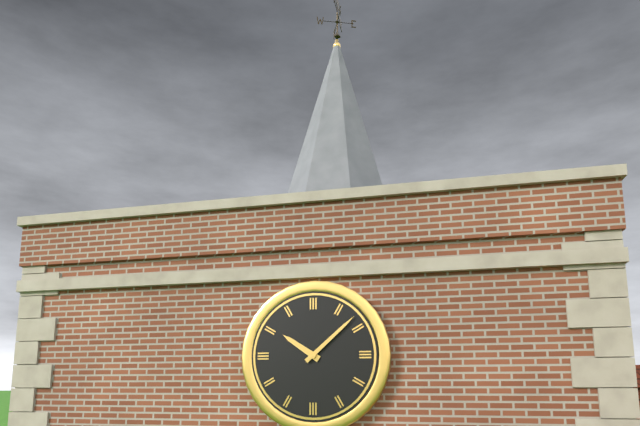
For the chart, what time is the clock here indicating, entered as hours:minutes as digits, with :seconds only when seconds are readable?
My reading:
10:08
